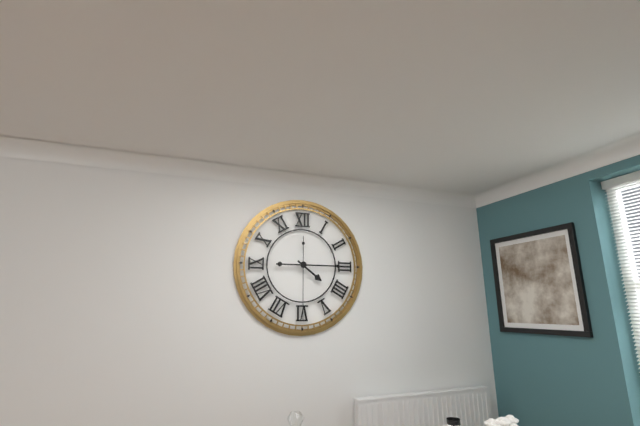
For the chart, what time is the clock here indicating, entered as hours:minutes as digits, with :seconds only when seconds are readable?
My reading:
4:15:30
